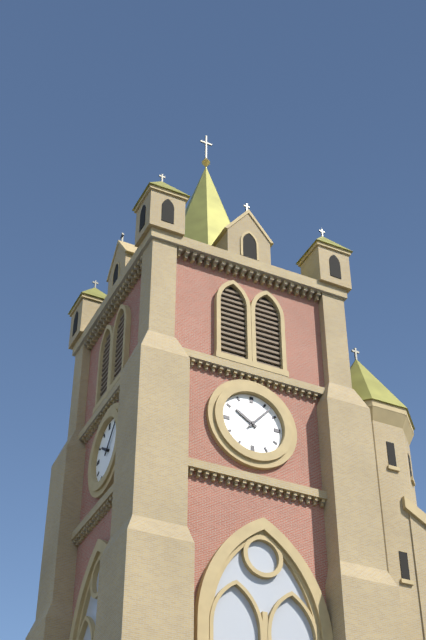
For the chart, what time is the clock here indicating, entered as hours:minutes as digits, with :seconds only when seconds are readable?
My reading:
10:07
